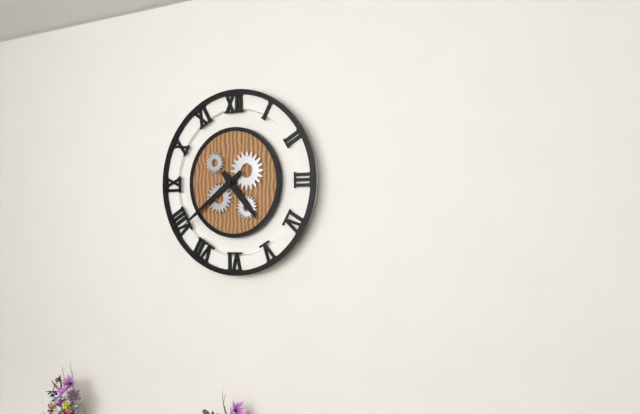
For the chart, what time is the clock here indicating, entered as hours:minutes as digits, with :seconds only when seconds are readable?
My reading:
4:39
